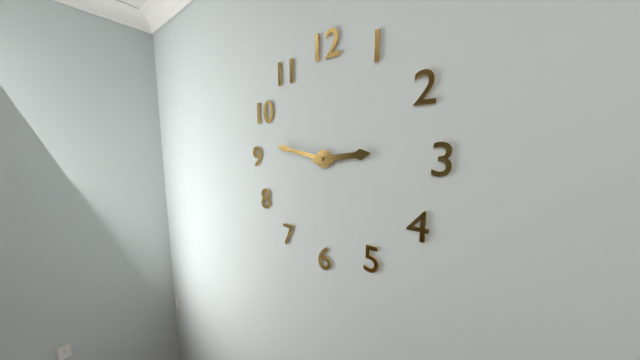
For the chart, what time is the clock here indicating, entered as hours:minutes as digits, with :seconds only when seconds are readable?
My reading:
2:47
